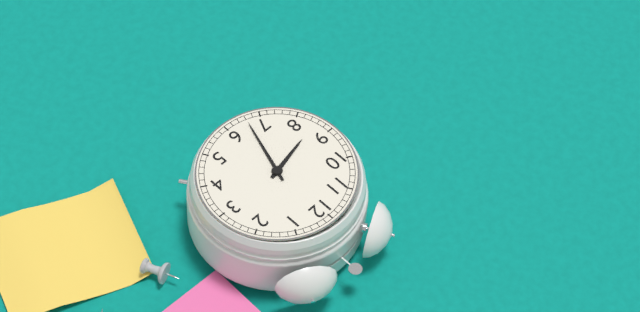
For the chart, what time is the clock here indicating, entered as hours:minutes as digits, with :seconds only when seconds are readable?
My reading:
8:33
